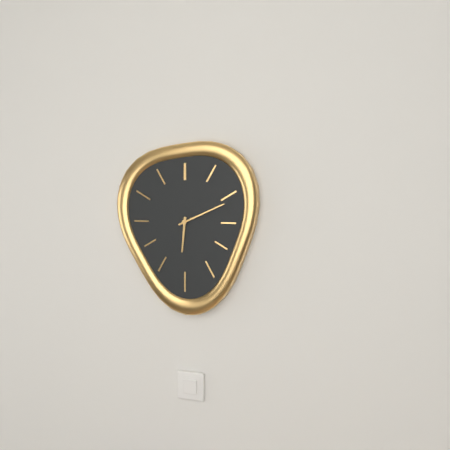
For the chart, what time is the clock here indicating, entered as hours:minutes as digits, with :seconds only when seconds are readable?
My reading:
6:11
